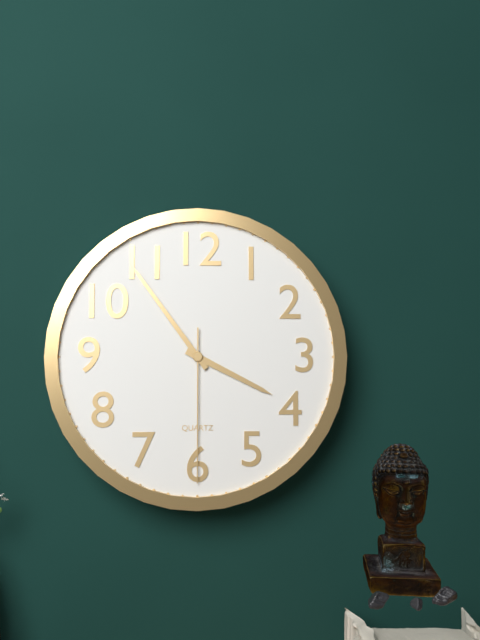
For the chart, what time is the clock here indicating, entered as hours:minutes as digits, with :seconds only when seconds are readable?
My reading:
3:54:30
